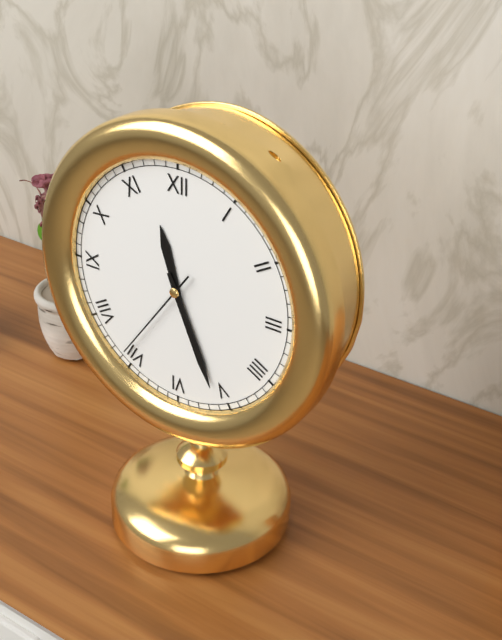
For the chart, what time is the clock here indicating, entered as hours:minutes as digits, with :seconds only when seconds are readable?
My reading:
11:26:36
